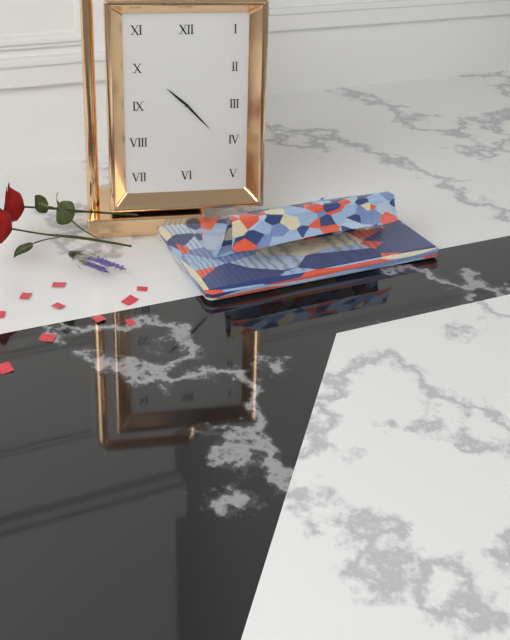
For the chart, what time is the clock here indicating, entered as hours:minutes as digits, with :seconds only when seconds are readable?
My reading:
10:23
